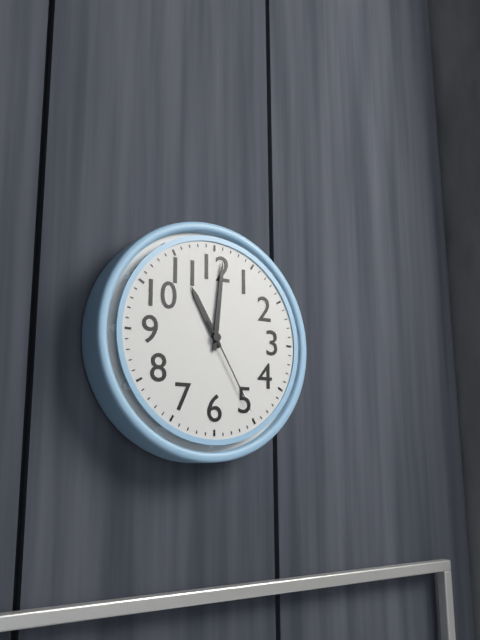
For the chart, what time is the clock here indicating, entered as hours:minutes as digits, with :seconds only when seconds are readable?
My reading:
11:01:25
